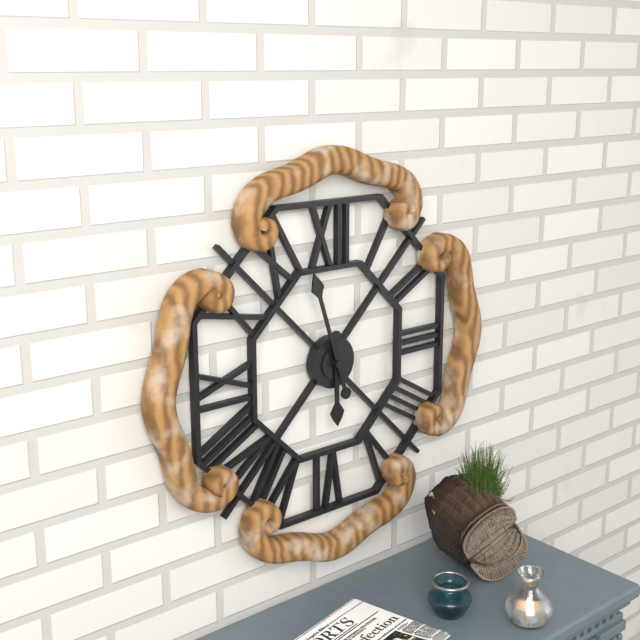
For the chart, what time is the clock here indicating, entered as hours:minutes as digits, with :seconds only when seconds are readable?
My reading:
5:57
